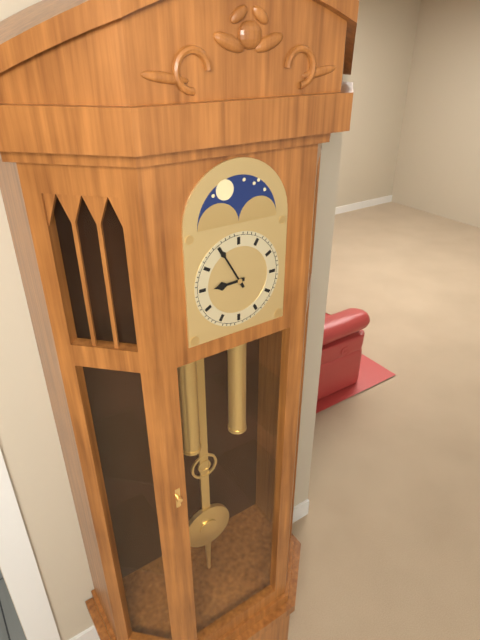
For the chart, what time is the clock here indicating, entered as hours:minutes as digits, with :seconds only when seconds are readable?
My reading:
8:55
